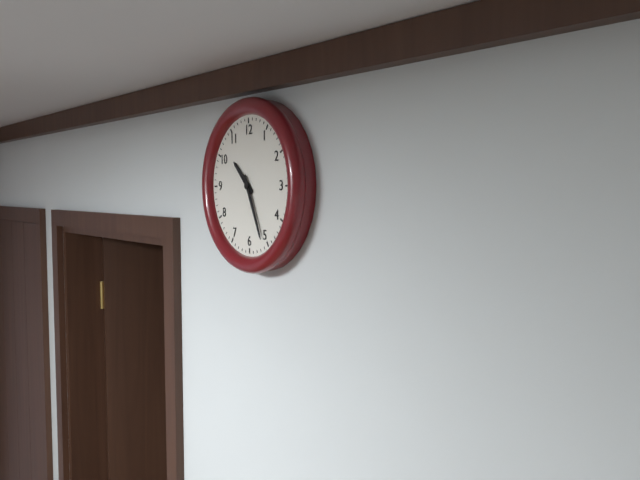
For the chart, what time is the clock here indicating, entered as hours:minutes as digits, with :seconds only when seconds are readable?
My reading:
10:26
